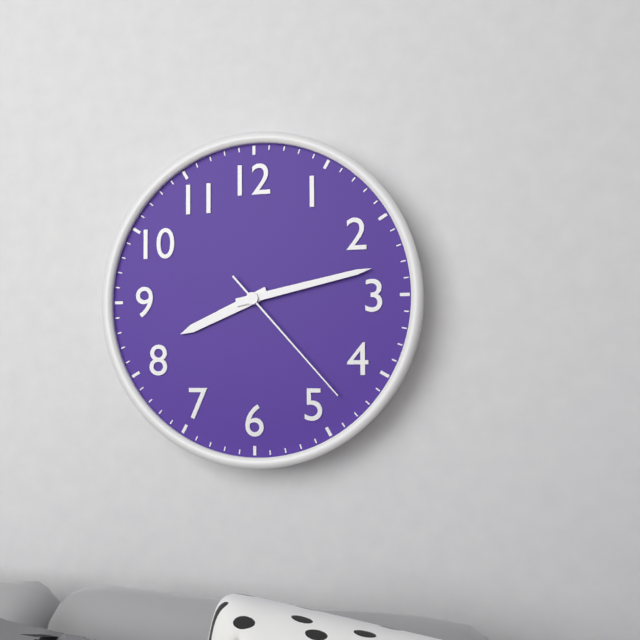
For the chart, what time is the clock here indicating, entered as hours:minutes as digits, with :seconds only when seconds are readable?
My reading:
8:13:23
